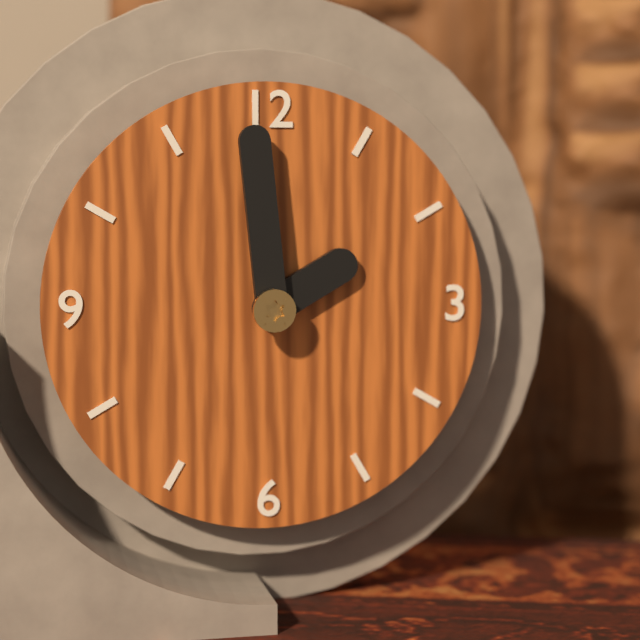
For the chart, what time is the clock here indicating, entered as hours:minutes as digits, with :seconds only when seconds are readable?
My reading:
1:59
